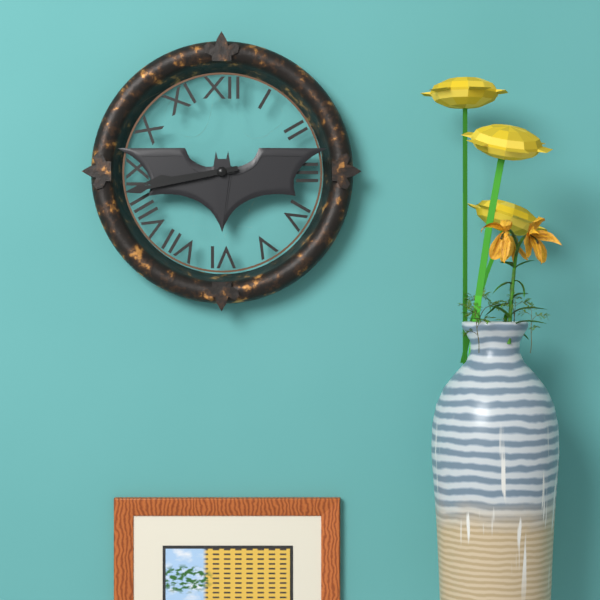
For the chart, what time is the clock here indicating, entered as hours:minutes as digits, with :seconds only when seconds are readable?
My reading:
8:43
